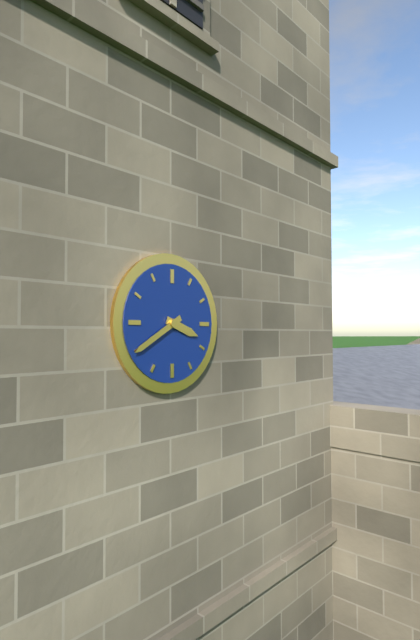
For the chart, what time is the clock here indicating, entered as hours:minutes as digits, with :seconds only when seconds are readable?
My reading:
3:40
